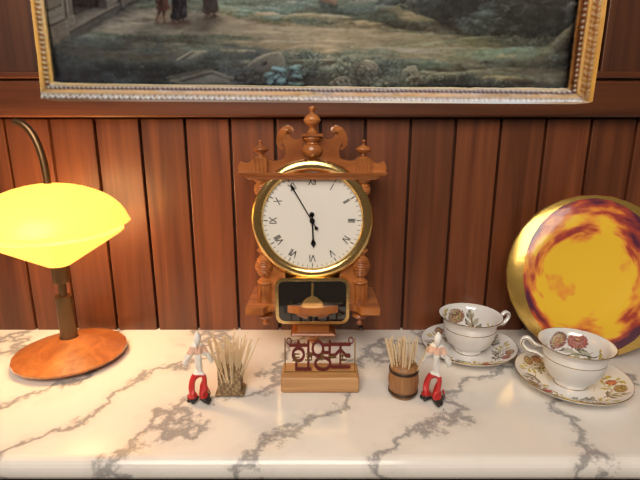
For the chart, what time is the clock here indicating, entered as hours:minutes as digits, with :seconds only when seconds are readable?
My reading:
5:55
